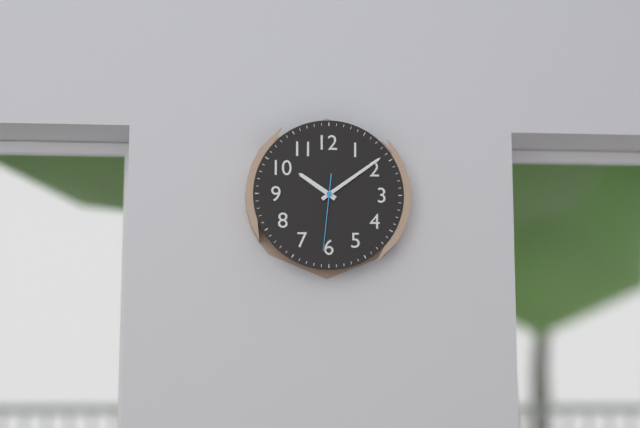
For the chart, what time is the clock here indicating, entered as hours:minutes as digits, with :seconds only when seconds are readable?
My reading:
10:09:31
